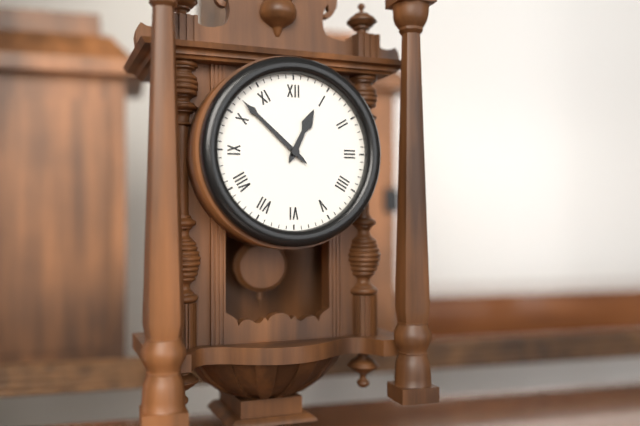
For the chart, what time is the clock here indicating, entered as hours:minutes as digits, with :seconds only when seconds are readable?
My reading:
12:52
